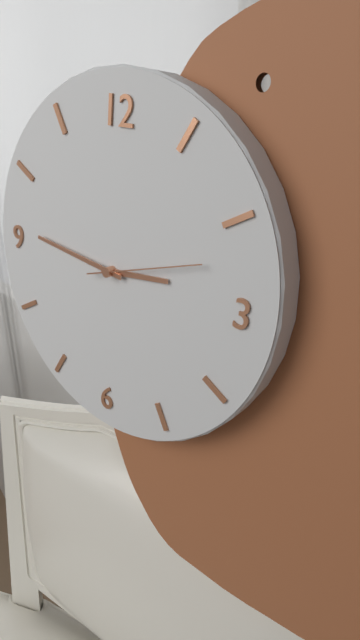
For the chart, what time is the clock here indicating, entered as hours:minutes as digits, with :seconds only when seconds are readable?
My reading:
2:46:12
